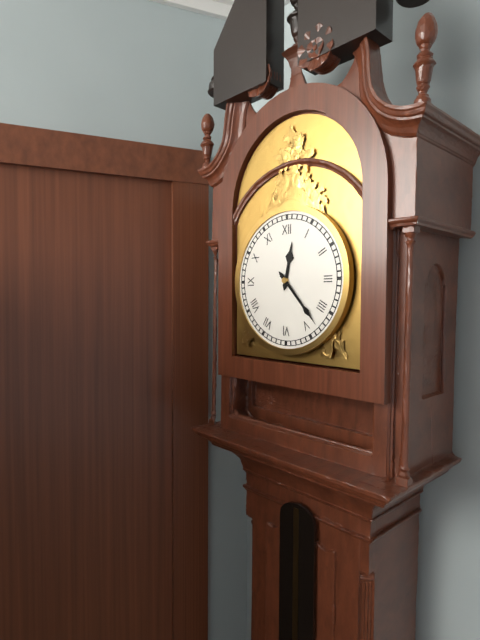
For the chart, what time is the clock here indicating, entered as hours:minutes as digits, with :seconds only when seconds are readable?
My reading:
12:23
